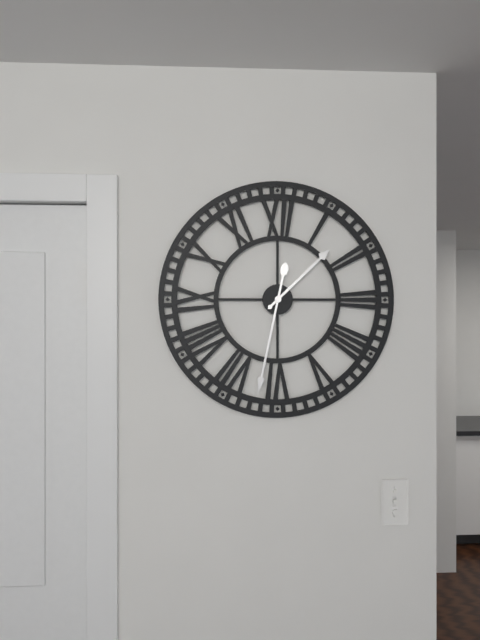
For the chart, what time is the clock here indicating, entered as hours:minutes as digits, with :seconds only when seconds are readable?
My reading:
1:32
